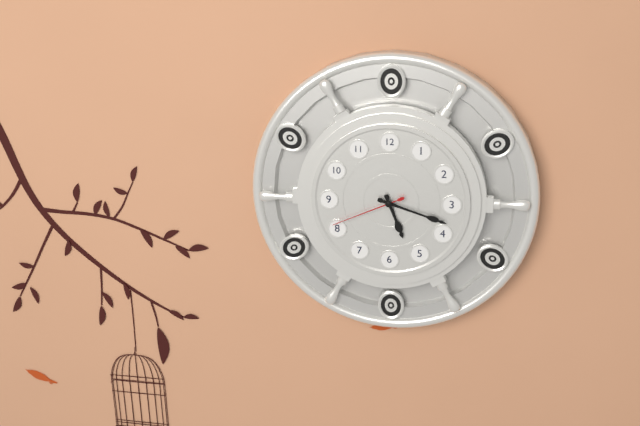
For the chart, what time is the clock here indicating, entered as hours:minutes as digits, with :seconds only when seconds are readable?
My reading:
5:18:41
